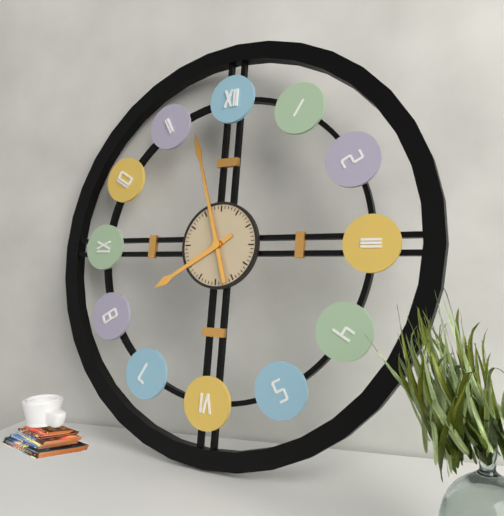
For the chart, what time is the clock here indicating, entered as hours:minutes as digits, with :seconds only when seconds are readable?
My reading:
7:57
